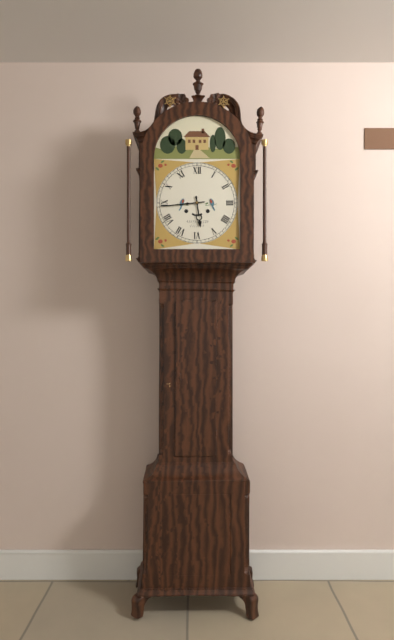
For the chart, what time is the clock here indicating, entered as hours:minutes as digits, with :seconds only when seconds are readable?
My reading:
5:44
